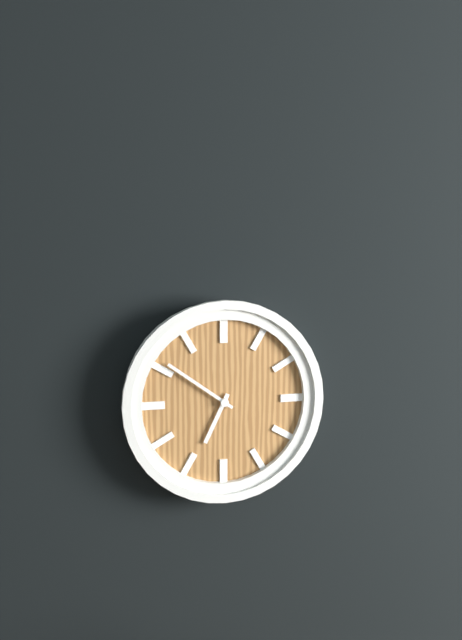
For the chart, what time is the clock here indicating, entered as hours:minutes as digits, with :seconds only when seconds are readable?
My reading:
6:51
